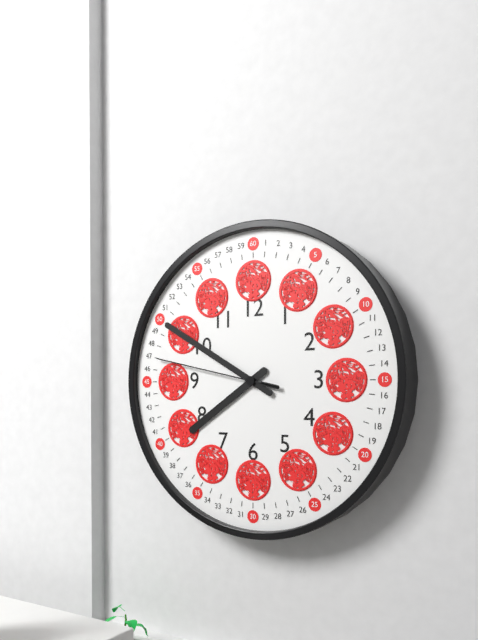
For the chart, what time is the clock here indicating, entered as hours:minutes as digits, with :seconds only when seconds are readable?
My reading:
7:50:47
